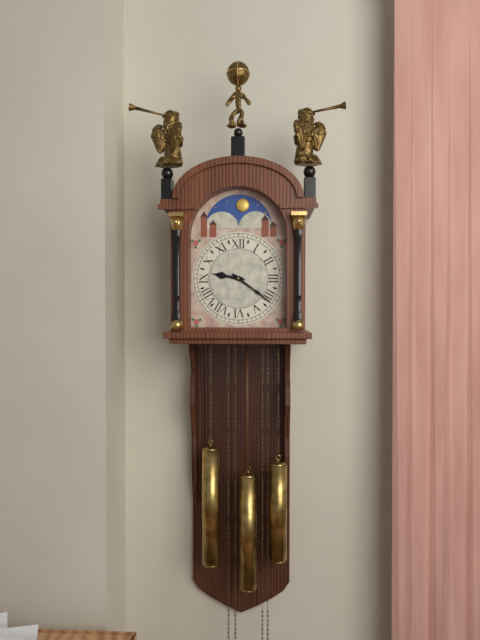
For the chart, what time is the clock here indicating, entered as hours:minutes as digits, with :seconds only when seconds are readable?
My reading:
9:21
